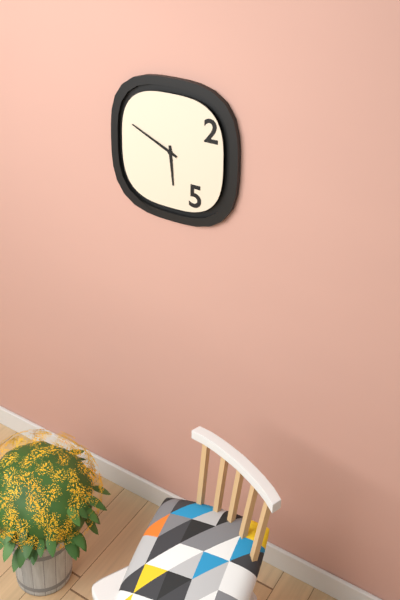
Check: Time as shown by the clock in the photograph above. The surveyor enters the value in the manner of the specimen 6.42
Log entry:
5.49
